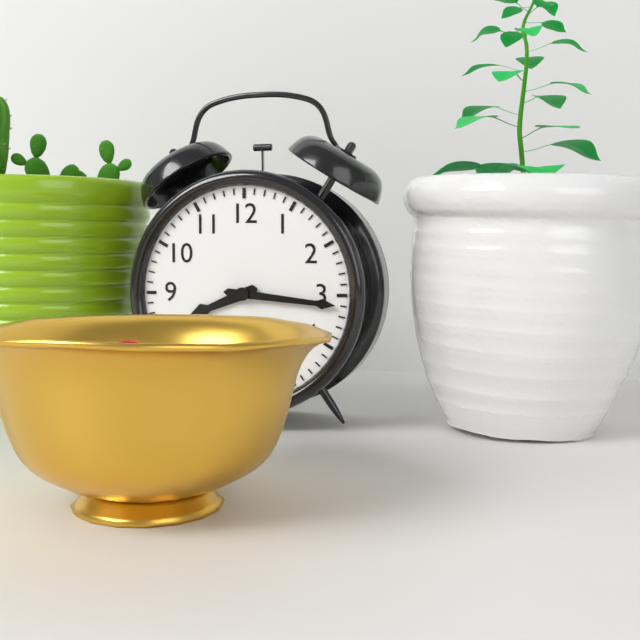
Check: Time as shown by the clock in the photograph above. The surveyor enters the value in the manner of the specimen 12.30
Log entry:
8.16
